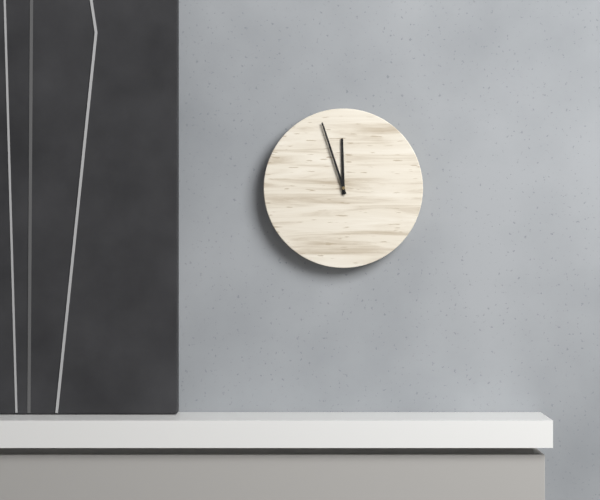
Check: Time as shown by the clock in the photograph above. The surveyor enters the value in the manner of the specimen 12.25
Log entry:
11.57
